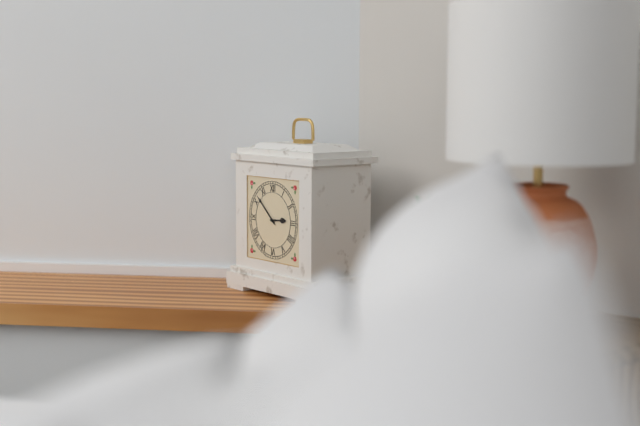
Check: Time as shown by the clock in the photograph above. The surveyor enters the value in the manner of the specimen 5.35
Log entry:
2.52
